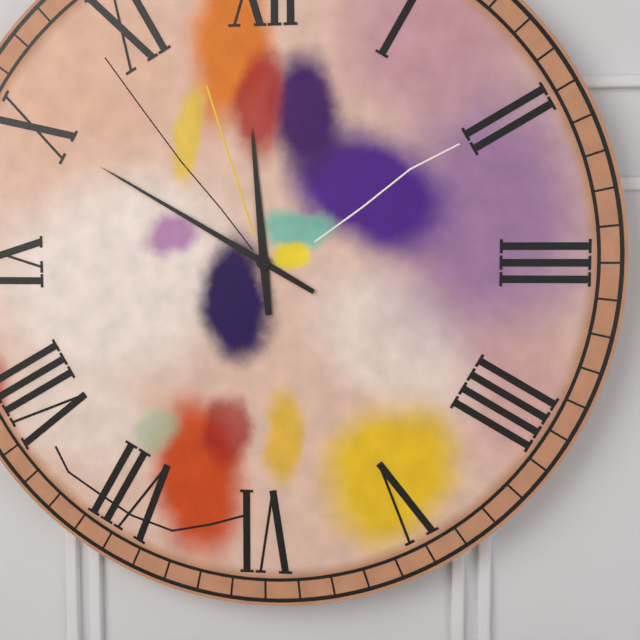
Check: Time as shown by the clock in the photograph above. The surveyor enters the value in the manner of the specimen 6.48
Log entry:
11.50
